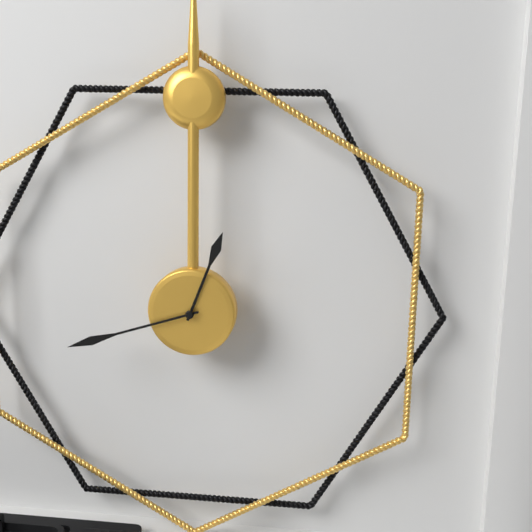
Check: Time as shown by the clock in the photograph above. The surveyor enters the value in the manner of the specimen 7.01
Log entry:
12.42
